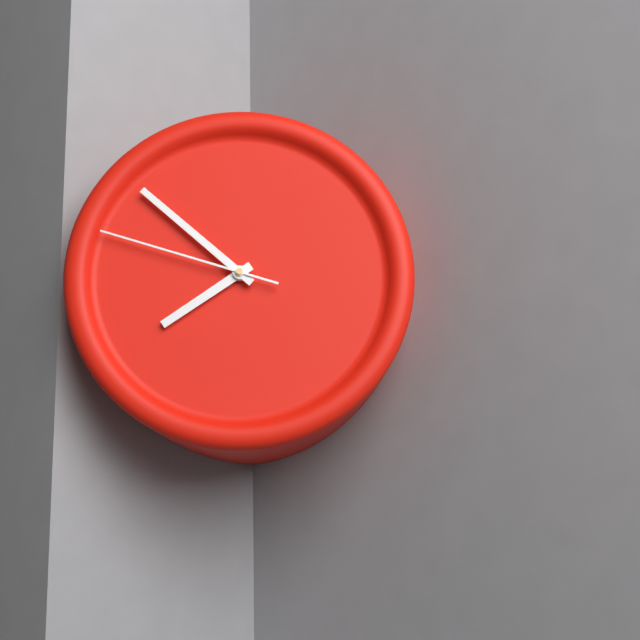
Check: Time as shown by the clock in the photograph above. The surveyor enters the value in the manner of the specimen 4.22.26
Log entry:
7.52.48
